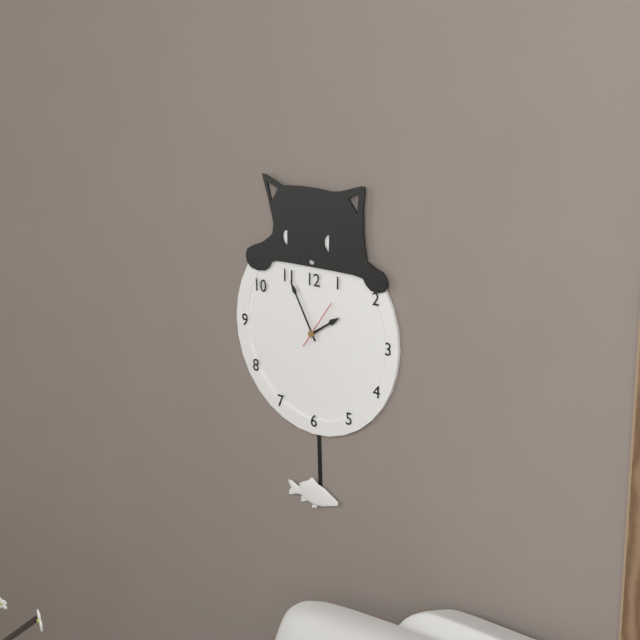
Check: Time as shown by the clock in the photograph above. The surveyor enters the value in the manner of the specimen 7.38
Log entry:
1.55
